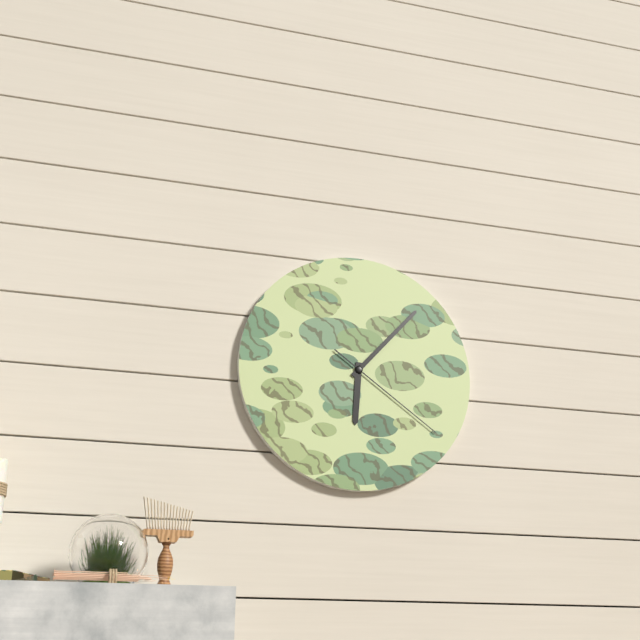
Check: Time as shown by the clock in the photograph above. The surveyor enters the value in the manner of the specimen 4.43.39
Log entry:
6.07.21
